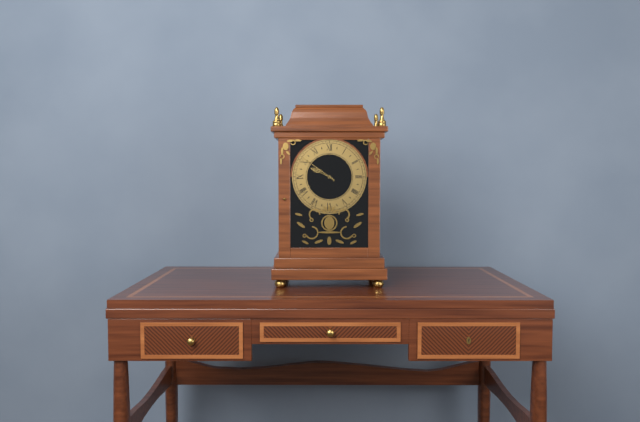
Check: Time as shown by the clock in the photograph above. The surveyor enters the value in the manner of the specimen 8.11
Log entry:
9.51
